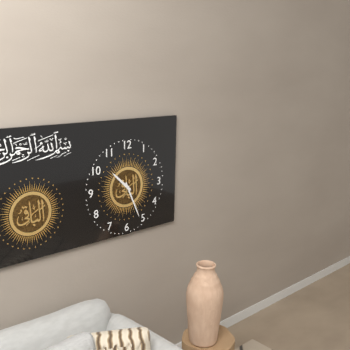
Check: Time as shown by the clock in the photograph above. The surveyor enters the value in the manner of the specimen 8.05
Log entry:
10.26
